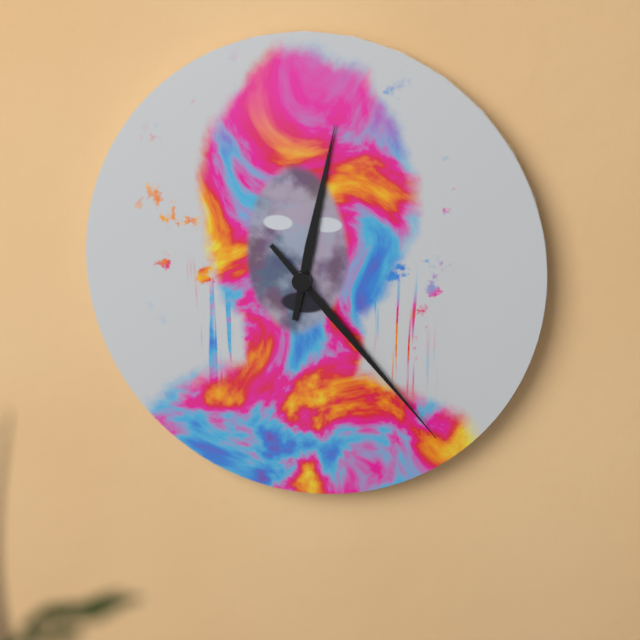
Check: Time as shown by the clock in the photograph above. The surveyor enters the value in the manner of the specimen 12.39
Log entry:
12.23
